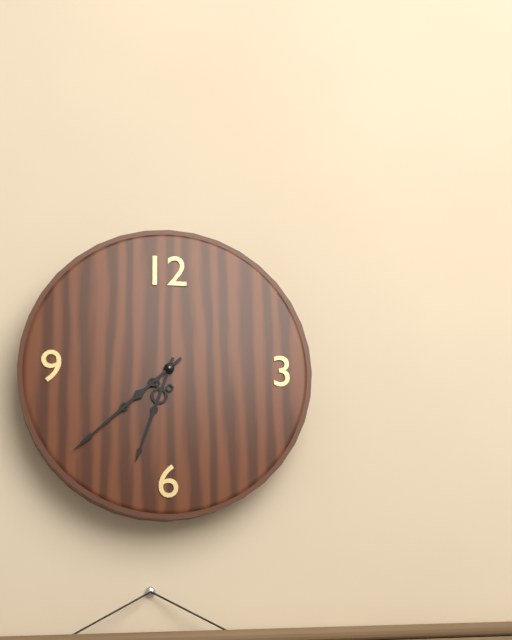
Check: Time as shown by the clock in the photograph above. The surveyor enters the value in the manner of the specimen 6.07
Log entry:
6.38
